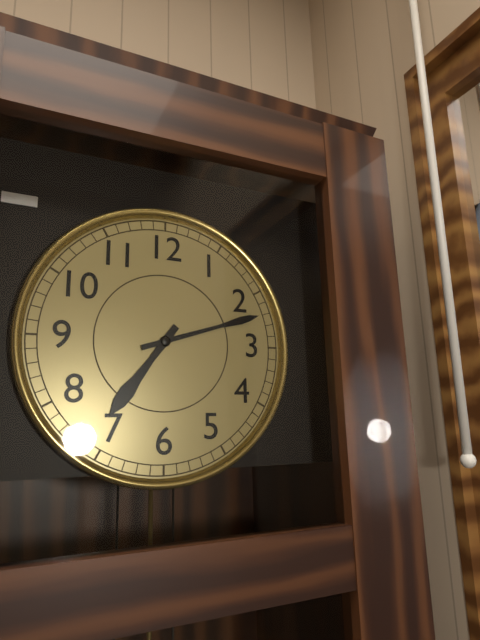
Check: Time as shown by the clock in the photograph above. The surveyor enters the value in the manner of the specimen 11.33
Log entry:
7.12
